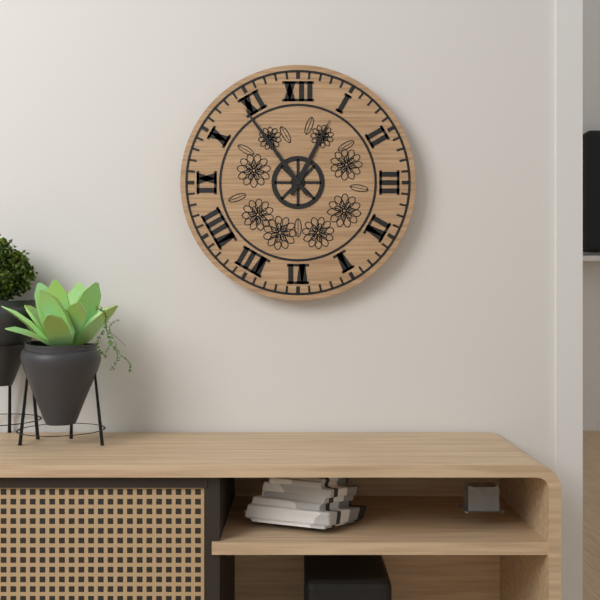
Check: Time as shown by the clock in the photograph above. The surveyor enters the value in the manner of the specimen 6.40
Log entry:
12.54
